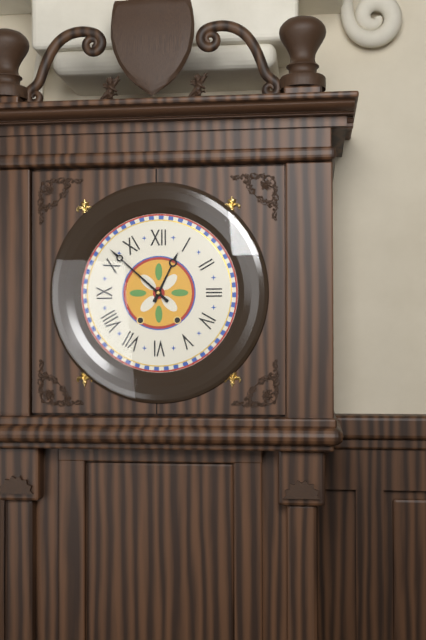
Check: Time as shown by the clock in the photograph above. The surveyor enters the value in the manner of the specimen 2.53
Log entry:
12.52
